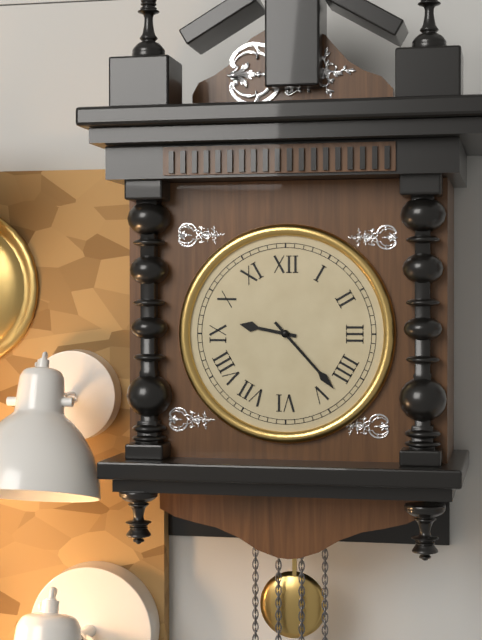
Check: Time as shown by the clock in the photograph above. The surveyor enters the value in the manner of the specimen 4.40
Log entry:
9.23
